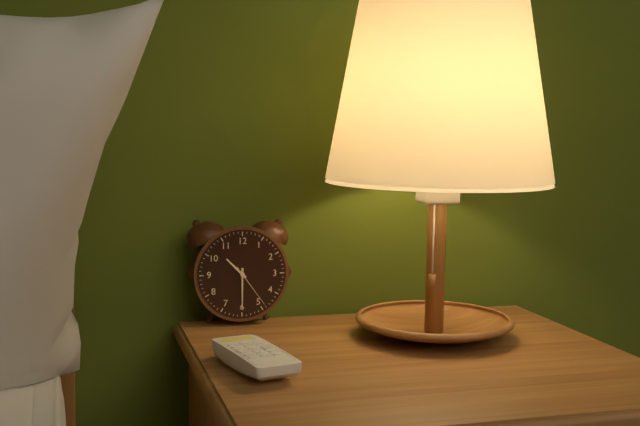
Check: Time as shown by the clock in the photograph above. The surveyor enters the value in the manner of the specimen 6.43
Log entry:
10.30
